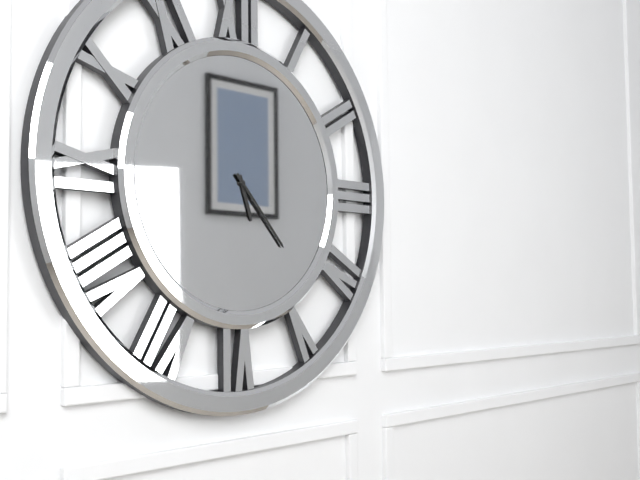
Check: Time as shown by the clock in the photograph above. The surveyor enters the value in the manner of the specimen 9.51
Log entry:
5.23
